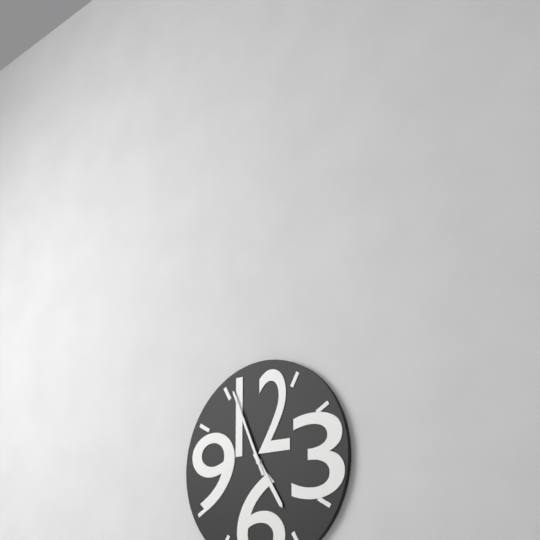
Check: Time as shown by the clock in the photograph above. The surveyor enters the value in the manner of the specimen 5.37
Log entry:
4.56
